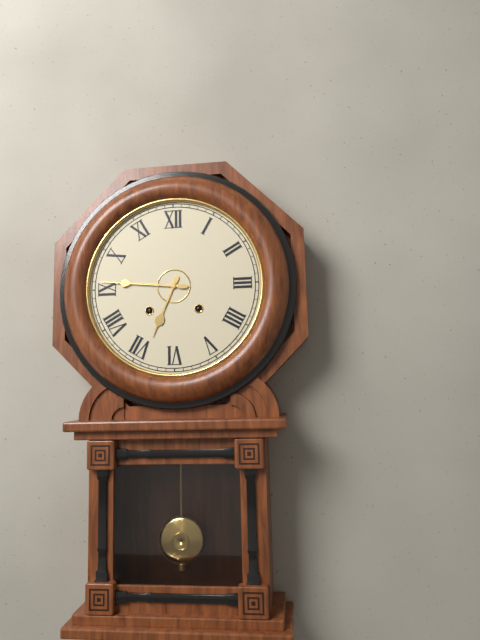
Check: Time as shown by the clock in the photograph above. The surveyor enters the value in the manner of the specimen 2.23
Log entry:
6.46
